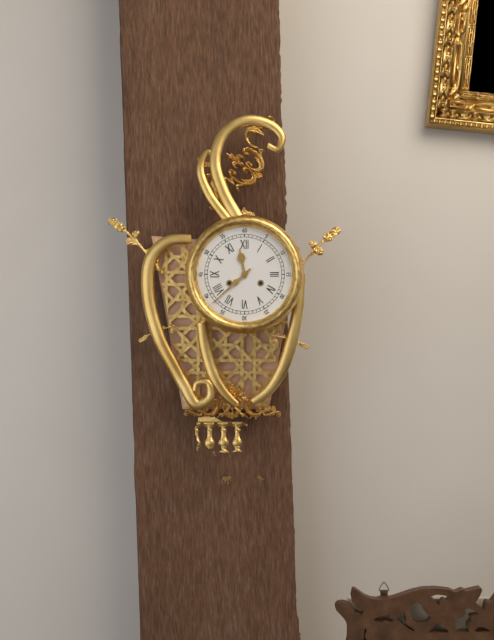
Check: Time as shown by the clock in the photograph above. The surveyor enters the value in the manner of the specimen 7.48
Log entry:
11.38
